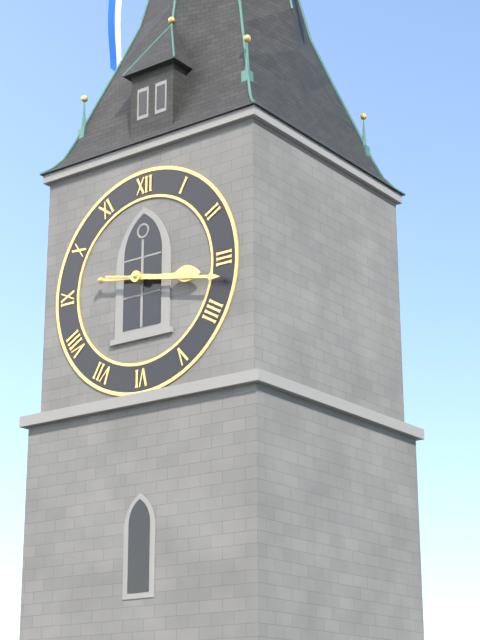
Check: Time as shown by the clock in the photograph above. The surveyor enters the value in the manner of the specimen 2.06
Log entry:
3.17
